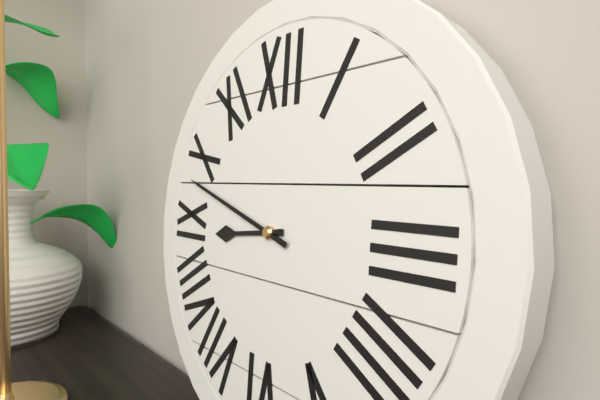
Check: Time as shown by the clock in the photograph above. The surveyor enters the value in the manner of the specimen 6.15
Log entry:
8.48
